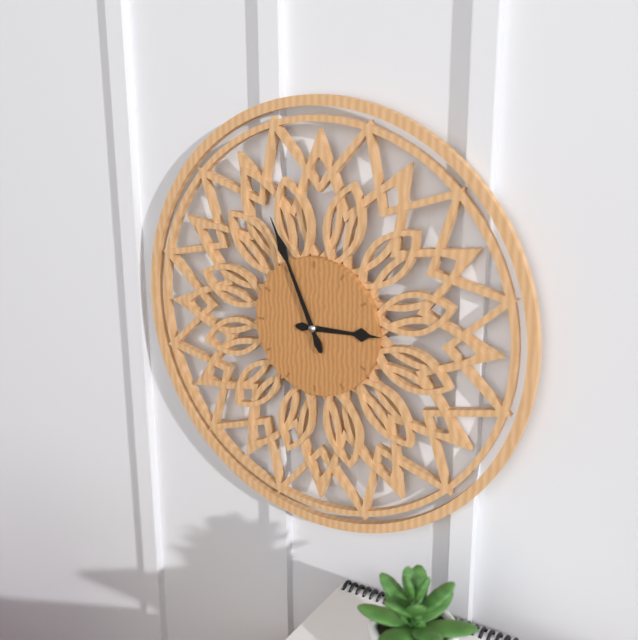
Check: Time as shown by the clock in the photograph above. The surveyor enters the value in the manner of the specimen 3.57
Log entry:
2.56
